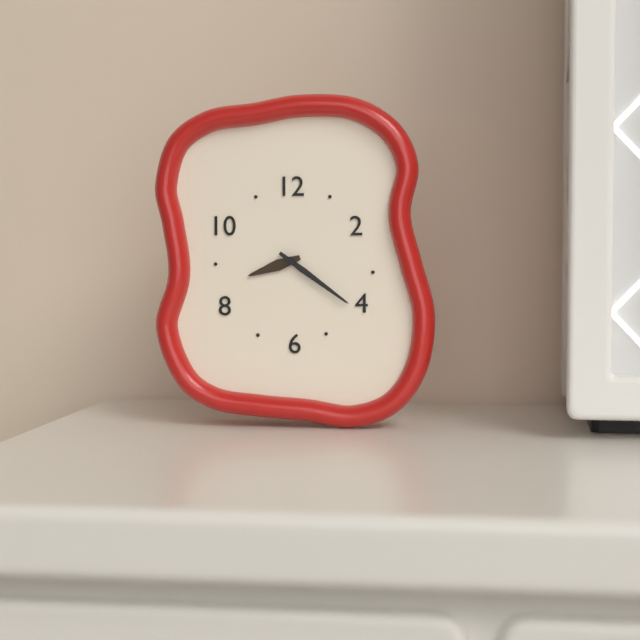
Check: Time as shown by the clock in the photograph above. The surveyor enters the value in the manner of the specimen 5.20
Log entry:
8.21
